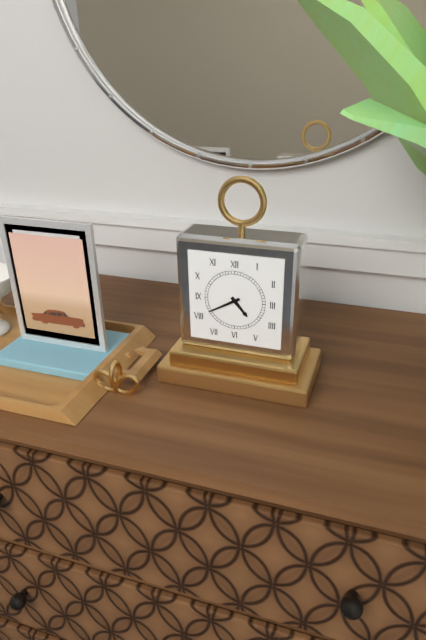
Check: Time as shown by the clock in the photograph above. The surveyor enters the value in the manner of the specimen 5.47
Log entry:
4.40
